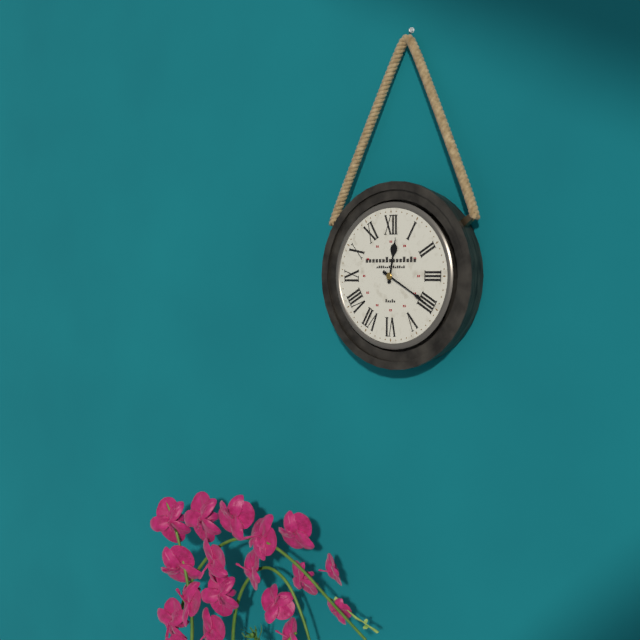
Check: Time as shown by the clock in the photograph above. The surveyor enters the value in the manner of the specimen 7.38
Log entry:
12.20
